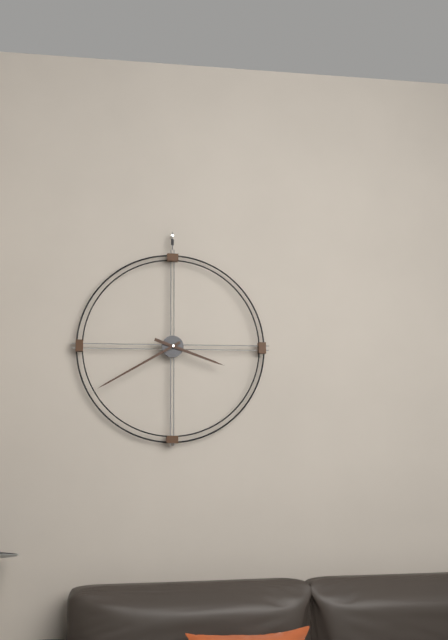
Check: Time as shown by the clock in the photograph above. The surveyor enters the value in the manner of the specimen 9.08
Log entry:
3.40
